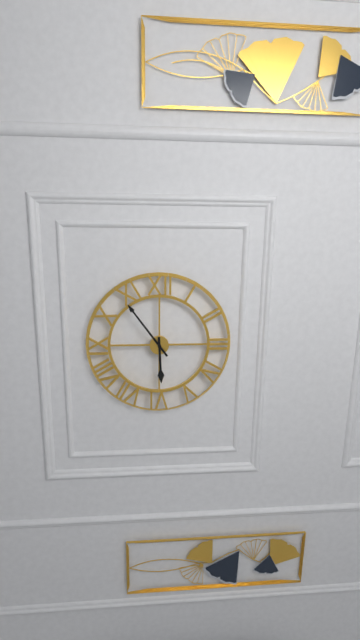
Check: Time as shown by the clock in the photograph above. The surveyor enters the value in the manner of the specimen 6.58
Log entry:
5.54
